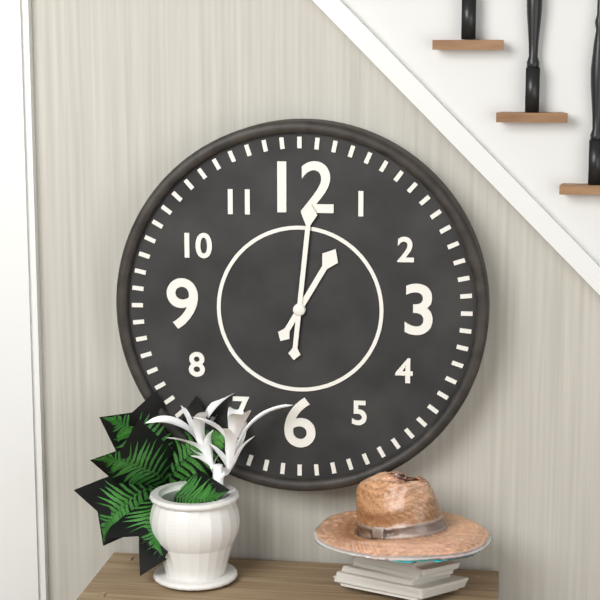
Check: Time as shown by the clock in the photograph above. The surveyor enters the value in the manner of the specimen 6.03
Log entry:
1.01
